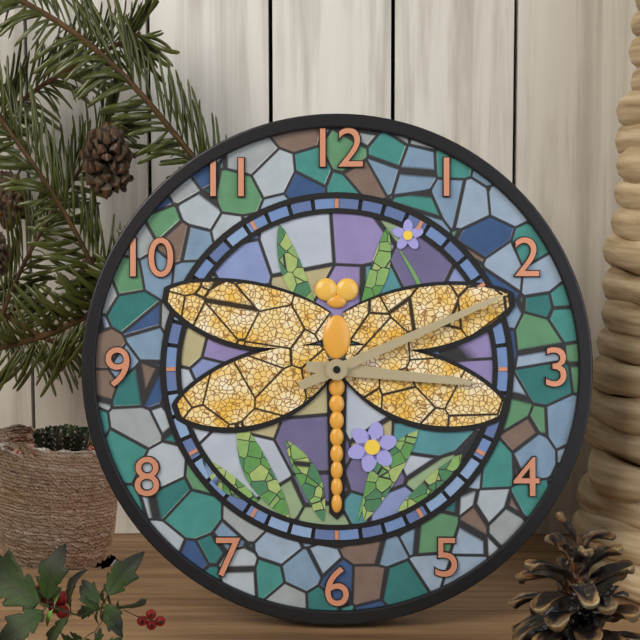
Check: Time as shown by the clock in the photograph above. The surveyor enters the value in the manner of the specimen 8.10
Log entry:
3.11
